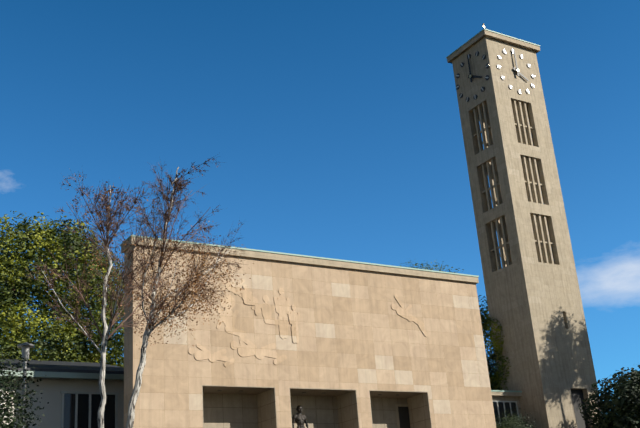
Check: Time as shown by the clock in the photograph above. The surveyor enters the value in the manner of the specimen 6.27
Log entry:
4.00
